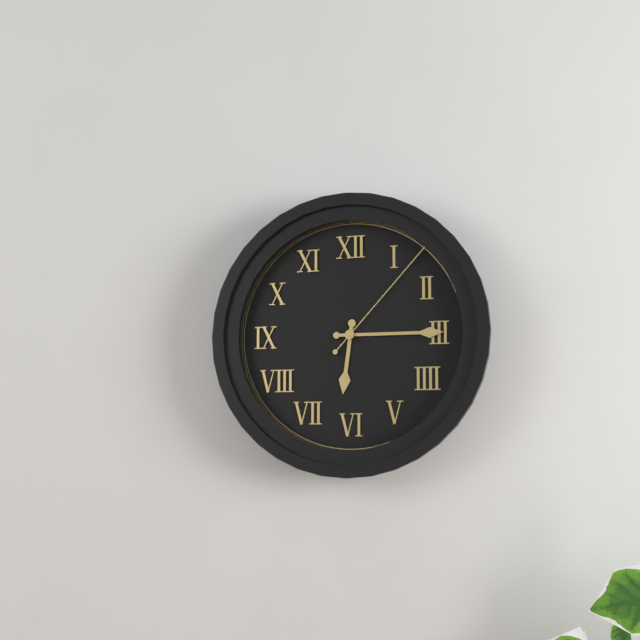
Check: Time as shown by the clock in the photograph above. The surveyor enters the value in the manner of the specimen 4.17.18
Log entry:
6.15.07
